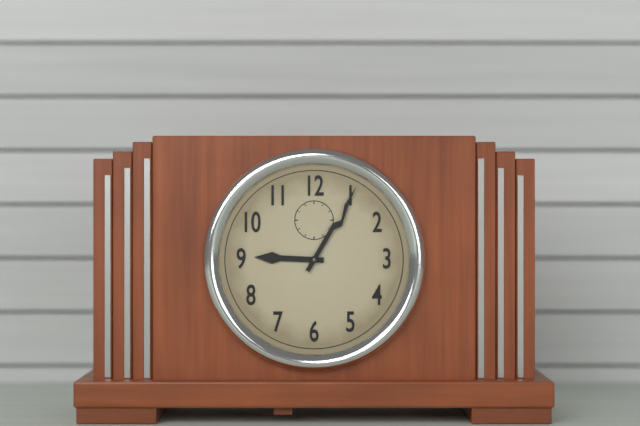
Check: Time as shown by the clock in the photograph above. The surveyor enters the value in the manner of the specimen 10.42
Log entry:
9.05
